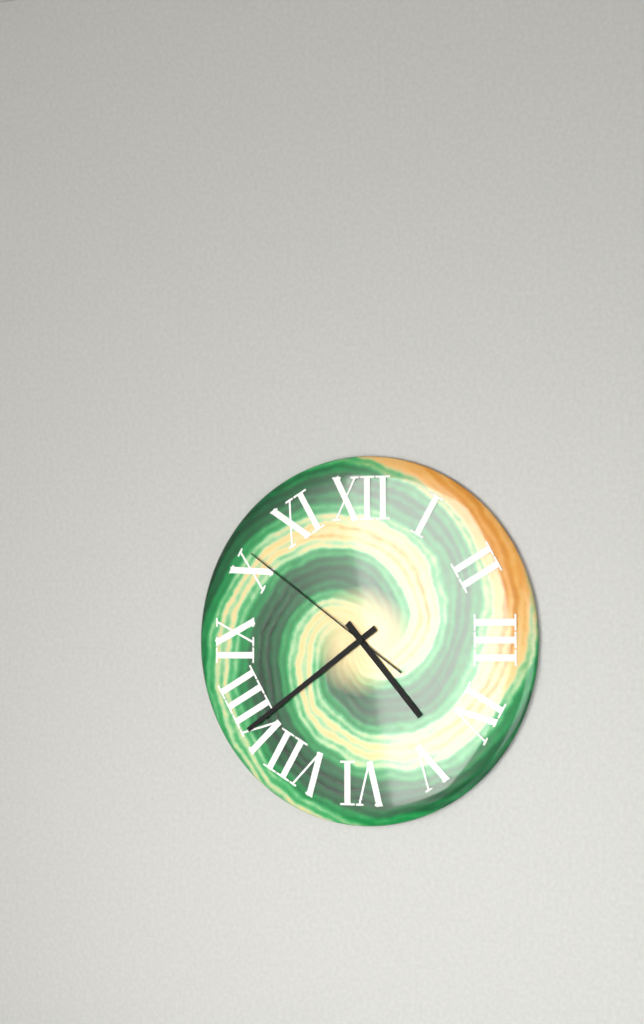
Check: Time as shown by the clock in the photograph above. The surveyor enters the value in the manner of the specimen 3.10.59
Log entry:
4.39.51
